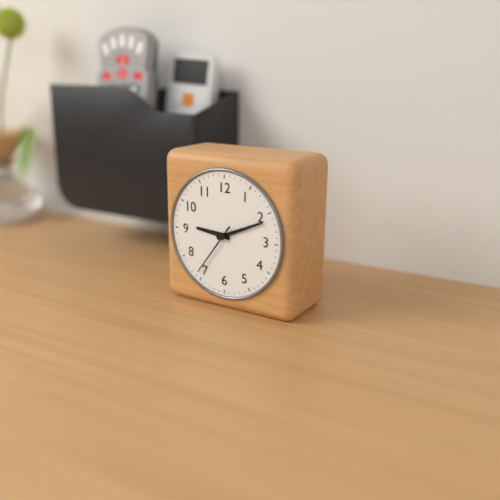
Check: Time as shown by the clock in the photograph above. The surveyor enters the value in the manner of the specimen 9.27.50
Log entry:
9.11.36
